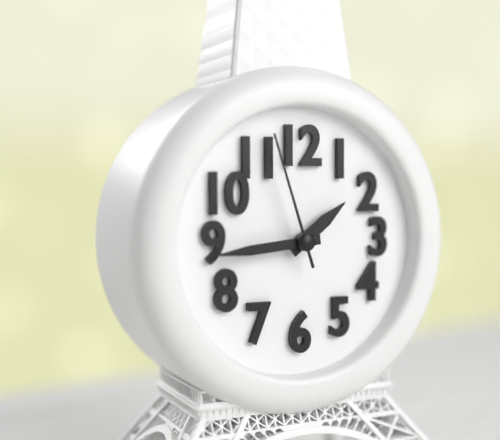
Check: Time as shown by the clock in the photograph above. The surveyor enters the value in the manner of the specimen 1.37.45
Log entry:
1.44.57
